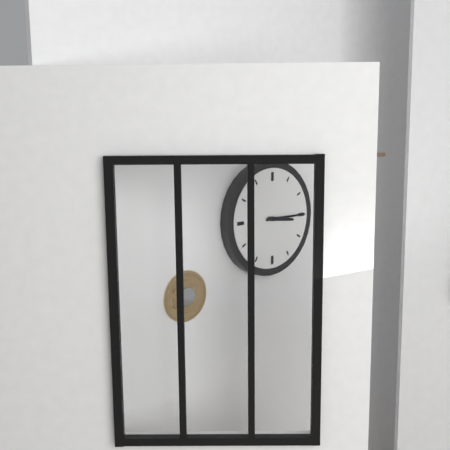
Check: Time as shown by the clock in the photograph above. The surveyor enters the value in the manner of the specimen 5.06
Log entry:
3.15
